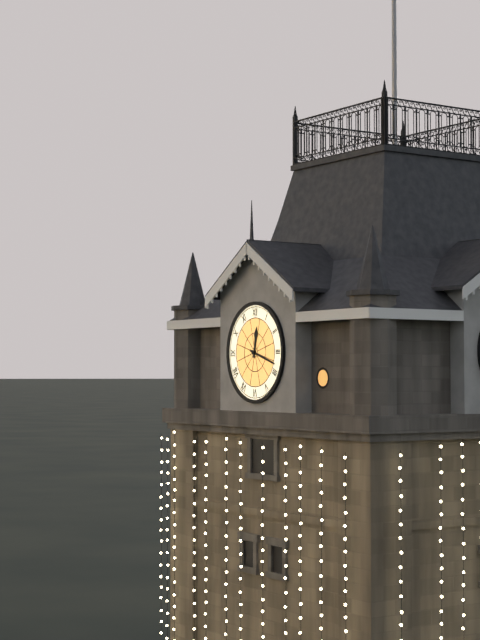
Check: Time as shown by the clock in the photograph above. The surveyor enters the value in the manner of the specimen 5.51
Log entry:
12.18
